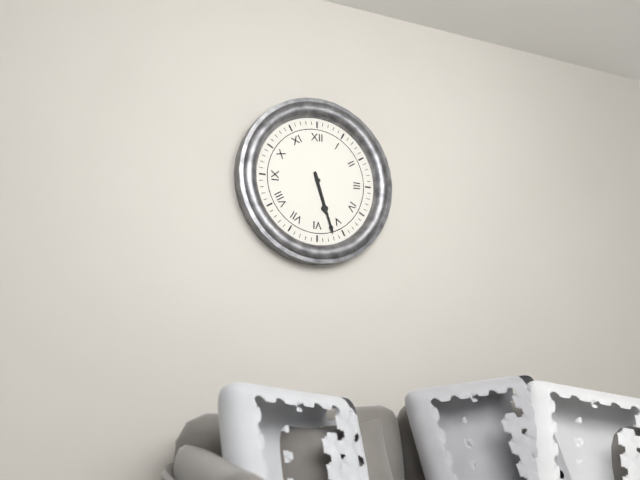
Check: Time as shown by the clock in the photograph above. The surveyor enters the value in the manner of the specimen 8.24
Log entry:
5.27
